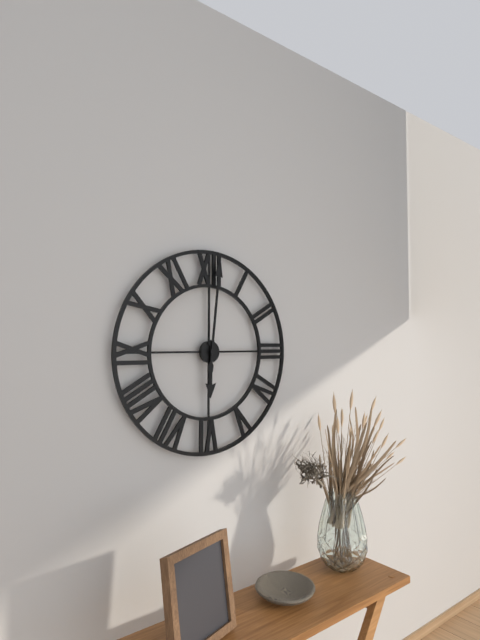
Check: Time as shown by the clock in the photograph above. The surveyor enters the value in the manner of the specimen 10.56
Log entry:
6.01
